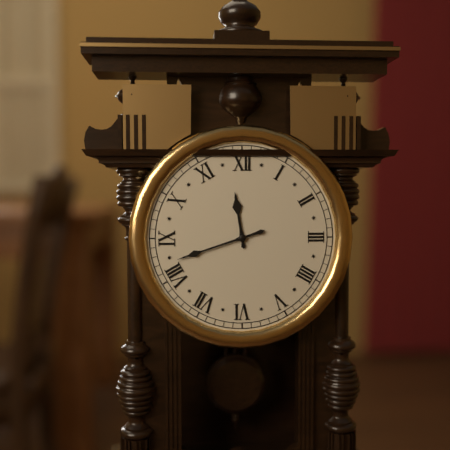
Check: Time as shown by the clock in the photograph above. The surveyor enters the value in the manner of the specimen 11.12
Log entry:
11.42
